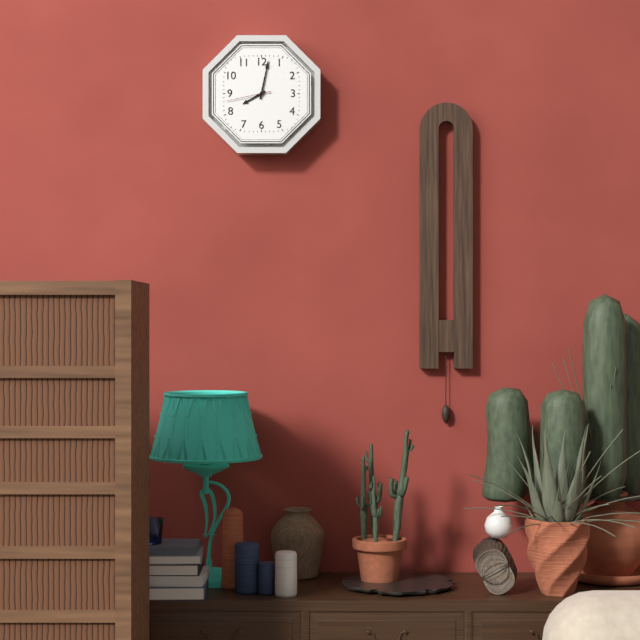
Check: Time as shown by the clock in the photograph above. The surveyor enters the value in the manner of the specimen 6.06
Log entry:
8.02
